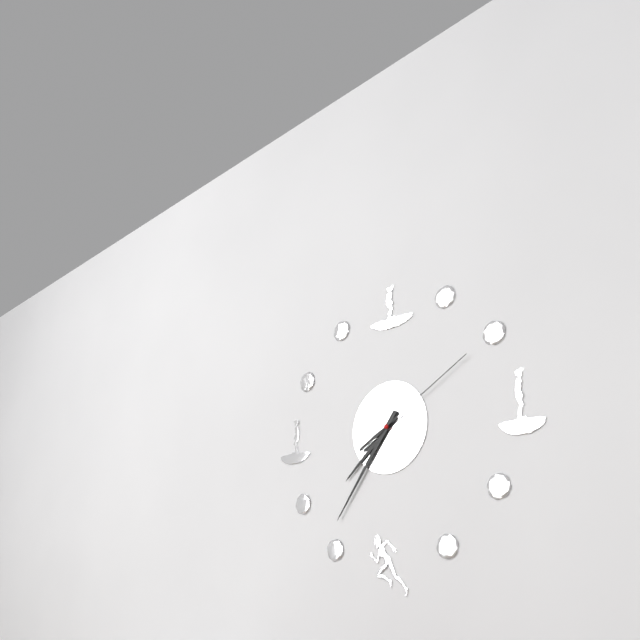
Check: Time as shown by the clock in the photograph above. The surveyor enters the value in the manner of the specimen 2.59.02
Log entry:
7.36.10
